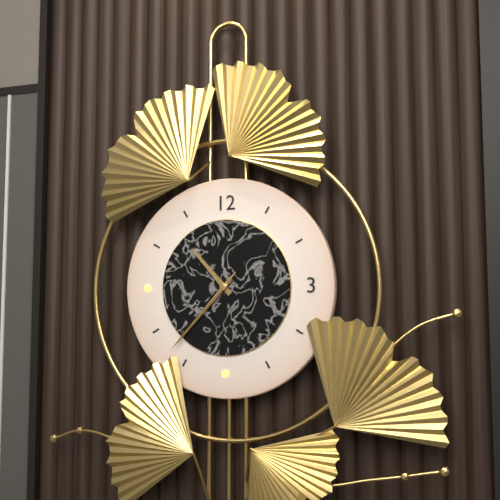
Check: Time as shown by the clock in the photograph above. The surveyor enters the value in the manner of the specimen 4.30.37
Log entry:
10.37.37
